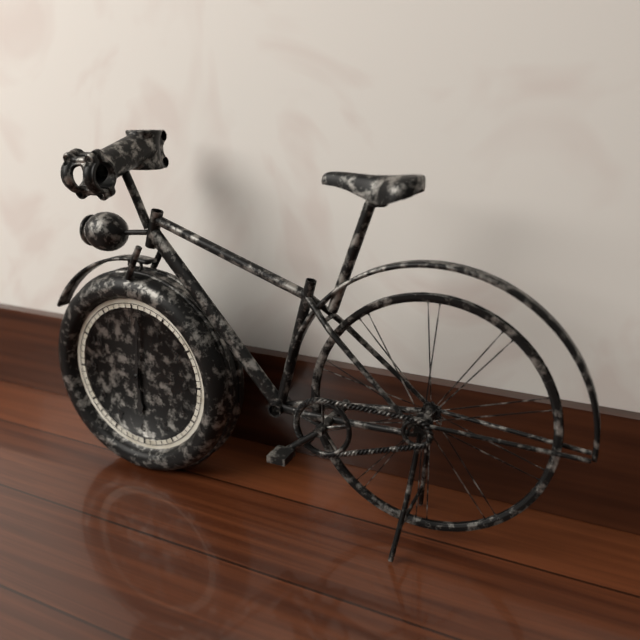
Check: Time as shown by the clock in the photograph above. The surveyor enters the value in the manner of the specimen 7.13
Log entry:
6.01
